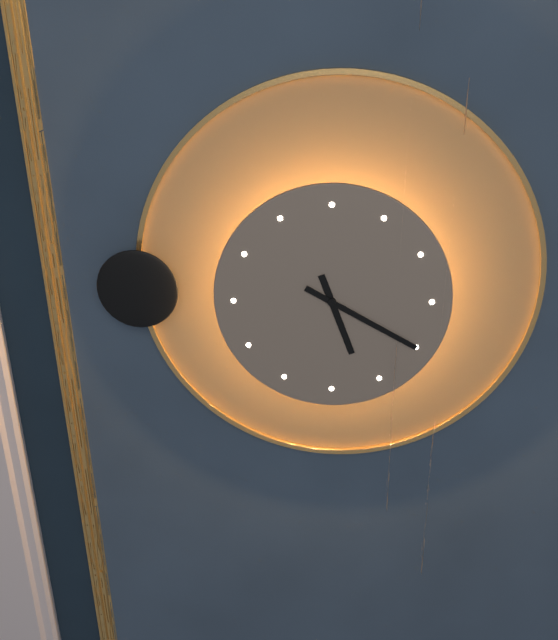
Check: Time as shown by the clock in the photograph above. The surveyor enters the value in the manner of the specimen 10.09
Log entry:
5.20
